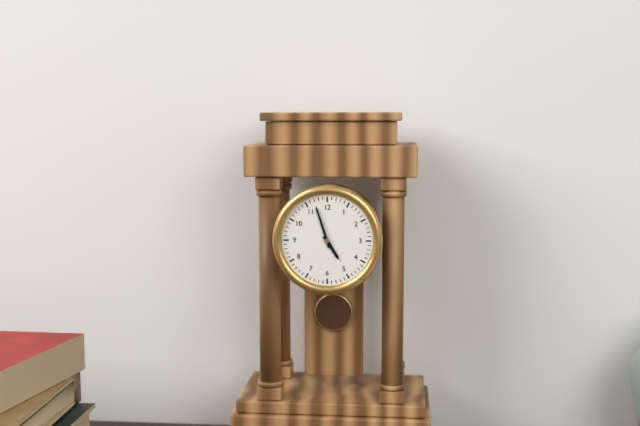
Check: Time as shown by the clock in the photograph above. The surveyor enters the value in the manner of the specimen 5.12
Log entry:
4.57
